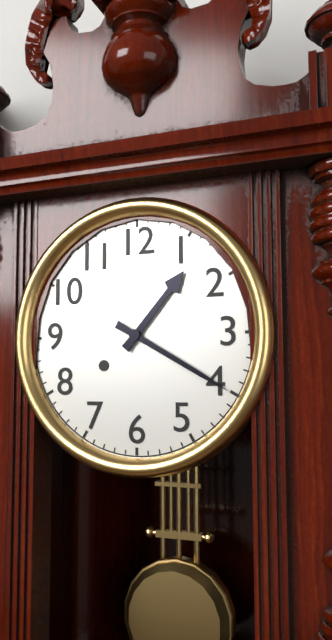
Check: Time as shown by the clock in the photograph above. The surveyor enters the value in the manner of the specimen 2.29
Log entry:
1.20
